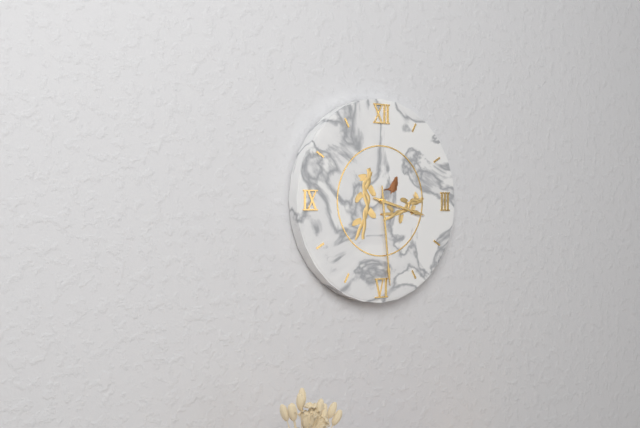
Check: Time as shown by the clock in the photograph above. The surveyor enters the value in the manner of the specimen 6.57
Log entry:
3.29
